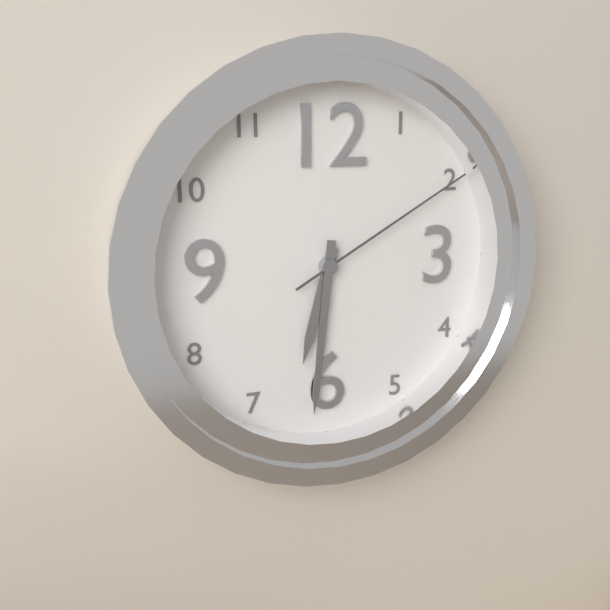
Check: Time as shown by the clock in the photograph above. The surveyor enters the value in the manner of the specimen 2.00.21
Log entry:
6.31.10
